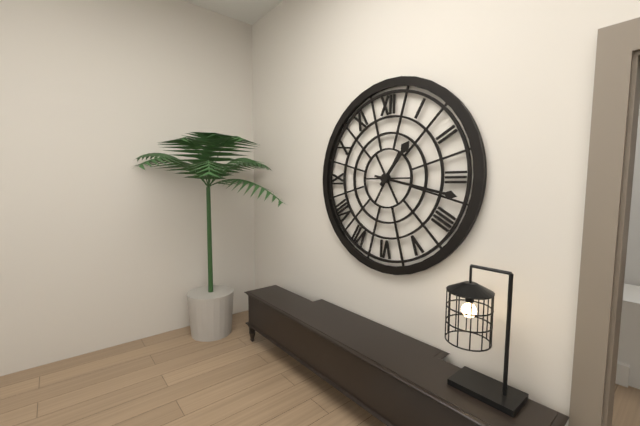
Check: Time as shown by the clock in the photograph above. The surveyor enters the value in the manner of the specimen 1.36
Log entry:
1.17
